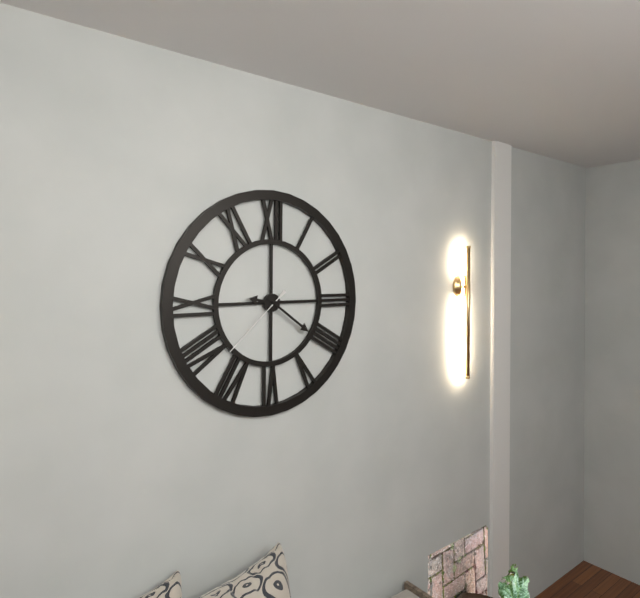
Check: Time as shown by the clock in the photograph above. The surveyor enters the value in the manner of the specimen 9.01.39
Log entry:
9.21.38
